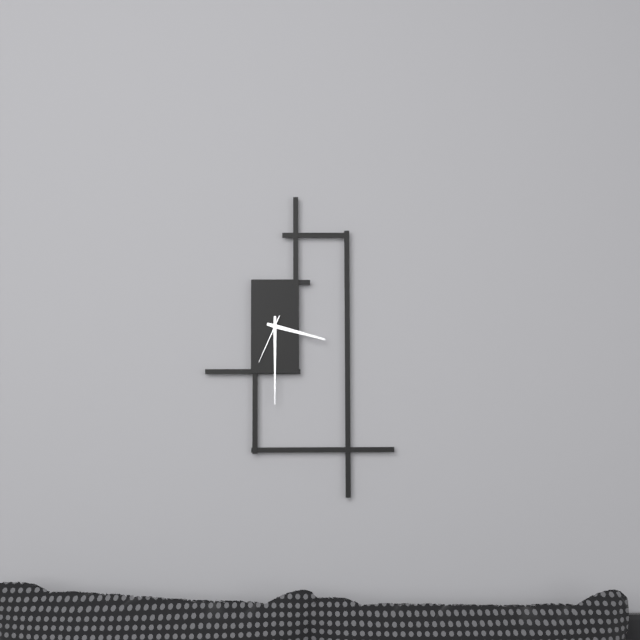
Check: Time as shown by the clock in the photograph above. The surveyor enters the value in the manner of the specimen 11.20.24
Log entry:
3.30.34
